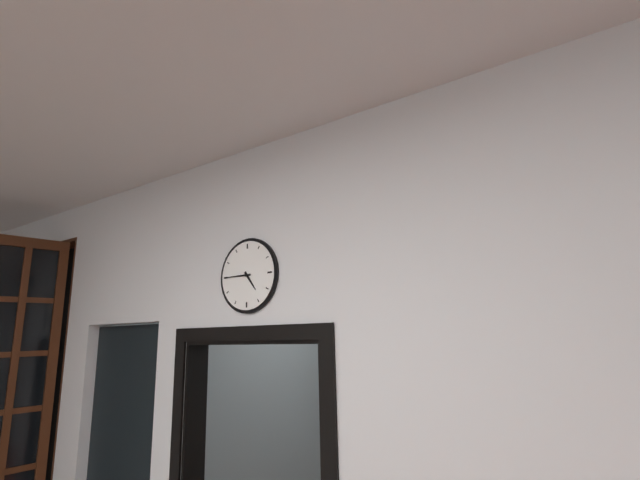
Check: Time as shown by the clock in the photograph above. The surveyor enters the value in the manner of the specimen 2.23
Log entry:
4.45
